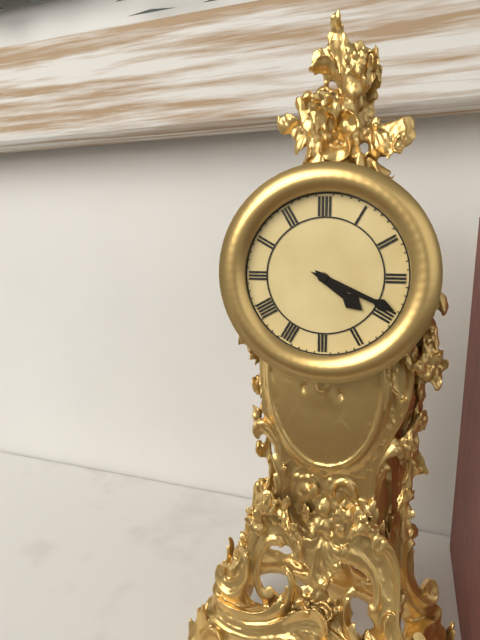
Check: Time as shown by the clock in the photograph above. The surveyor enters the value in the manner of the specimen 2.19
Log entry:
4.19
